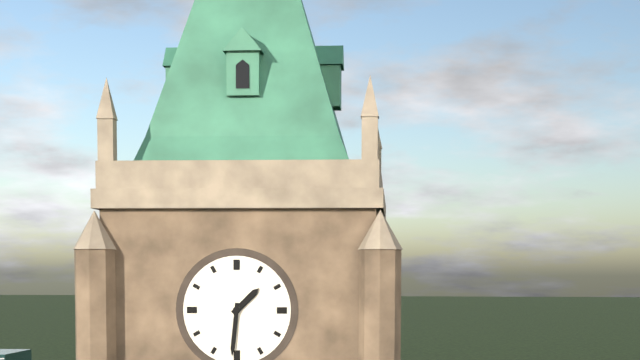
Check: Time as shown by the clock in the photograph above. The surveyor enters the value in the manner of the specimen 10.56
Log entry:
1.31
